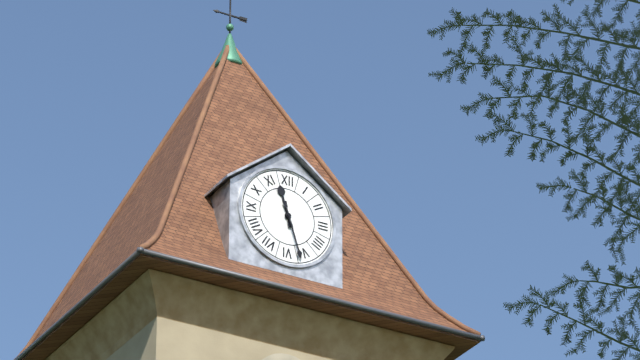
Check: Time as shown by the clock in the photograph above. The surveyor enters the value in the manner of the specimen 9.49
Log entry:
11.27
